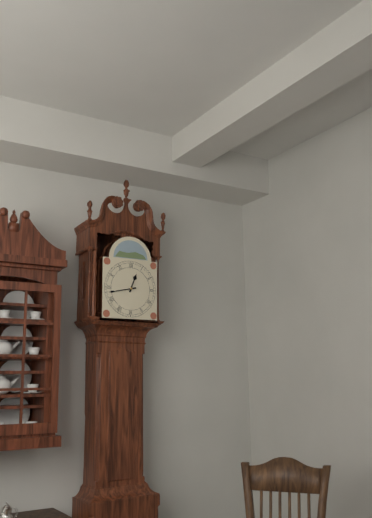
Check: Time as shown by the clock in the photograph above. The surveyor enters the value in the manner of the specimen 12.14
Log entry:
12.43
